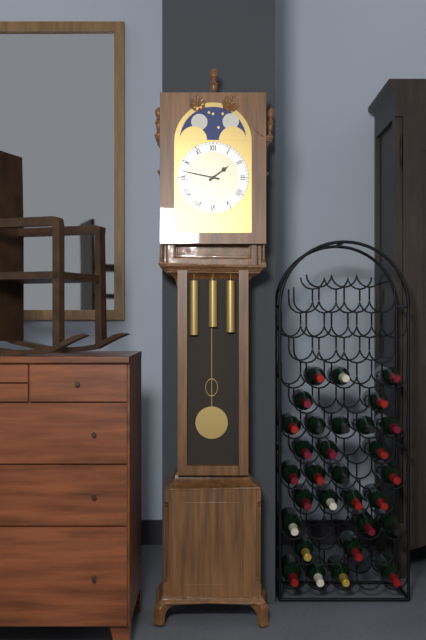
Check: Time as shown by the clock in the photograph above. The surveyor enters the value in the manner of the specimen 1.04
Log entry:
1.47
